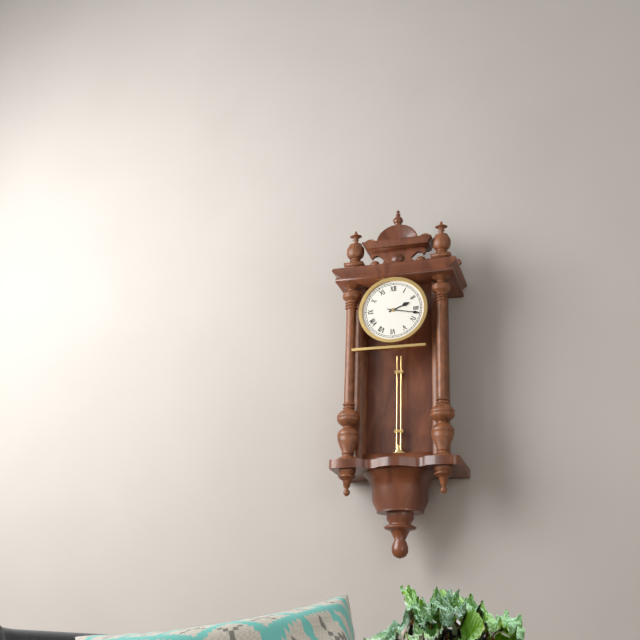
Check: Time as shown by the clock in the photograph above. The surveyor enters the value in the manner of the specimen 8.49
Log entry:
2.17
